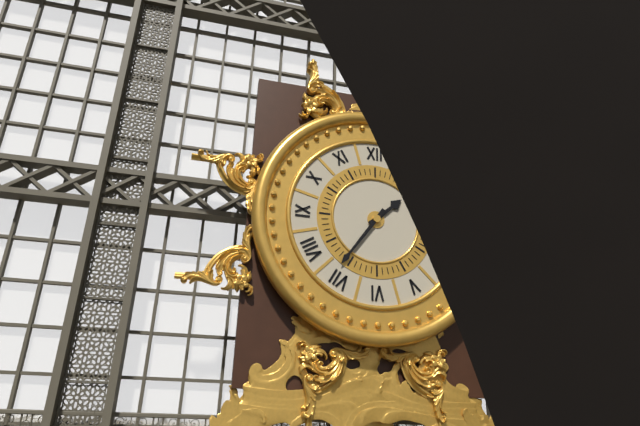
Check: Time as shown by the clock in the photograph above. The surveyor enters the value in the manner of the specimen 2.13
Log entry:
1.36
